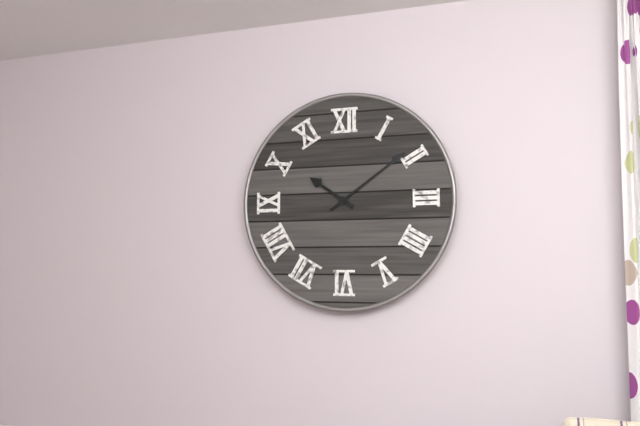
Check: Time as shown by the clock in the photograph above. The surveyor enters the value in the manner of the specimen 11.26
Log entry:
10.09
